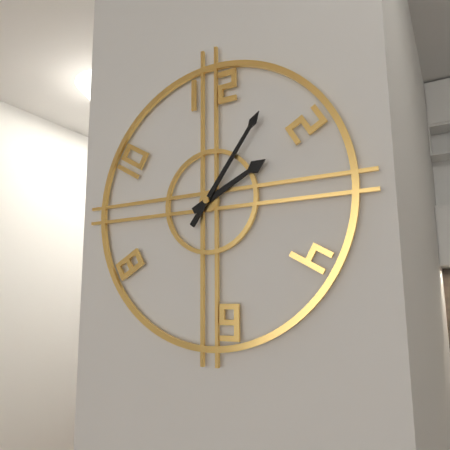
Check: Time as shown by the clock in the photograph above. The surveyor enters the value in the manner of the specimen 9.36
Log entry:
2.06
